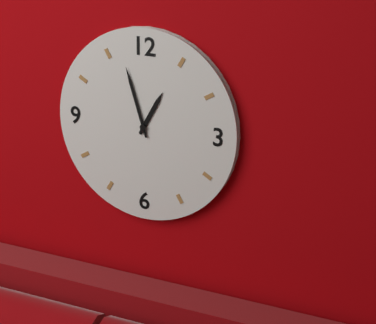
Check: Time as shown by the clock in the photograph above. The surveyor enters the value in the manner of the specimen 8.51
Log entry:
12.57
